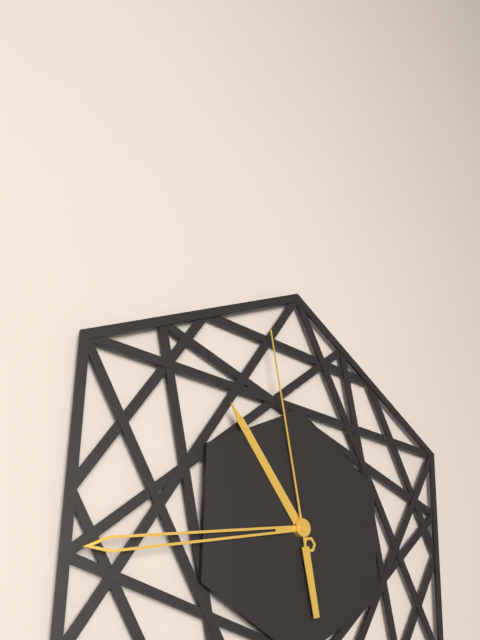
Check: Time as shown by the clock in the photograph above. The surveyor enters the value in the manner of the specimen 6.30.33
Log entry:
10.43.58
